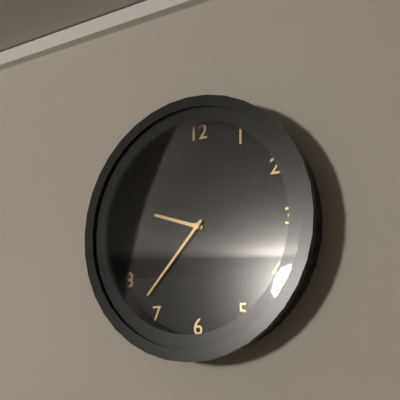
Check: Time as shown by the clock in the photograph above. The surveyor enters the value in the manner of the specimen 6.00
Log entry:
9.37
